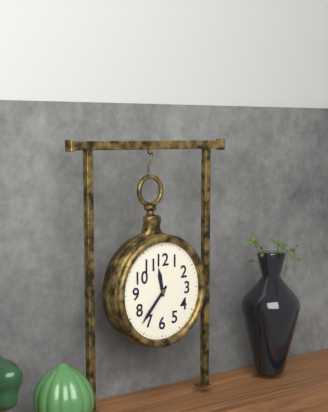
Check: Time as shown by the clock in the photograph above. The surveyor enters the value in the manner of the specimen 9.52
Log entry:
11.37
